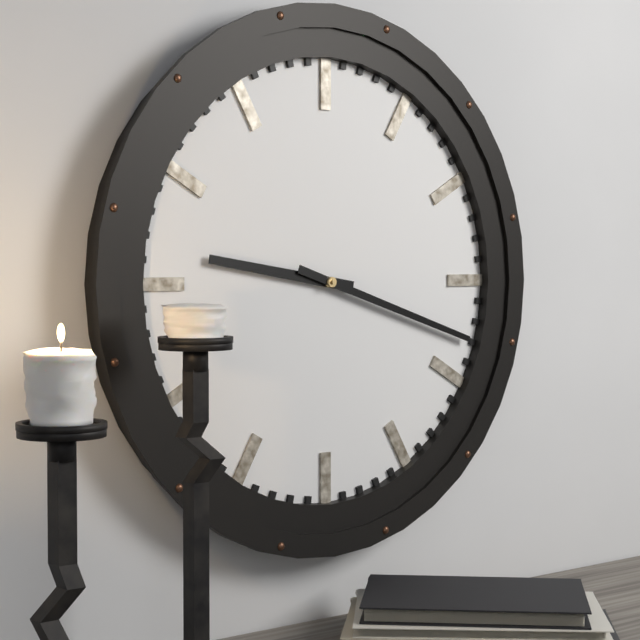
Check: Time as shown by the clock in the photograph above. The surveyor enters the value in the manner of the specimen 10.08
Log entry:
9.18
